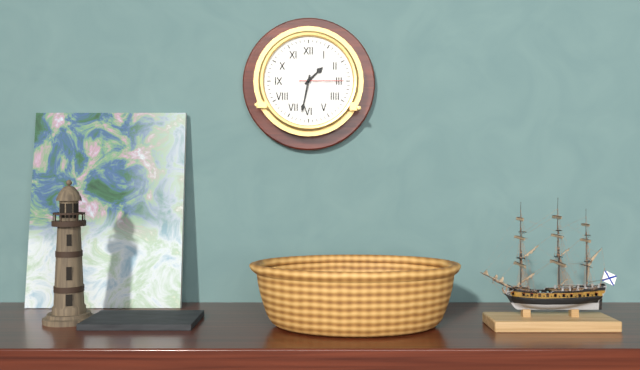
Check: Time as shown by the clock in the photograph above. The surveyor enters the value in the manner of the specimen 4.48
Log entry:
1.32
